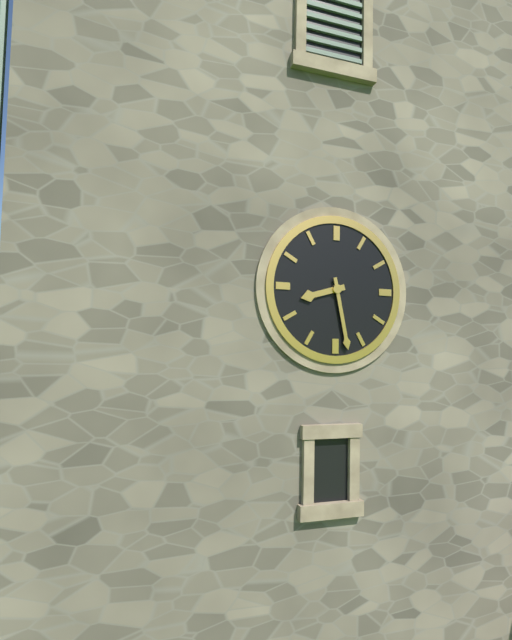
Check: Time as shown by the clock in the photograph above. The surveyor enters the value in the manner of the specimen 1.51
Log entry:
8.28
